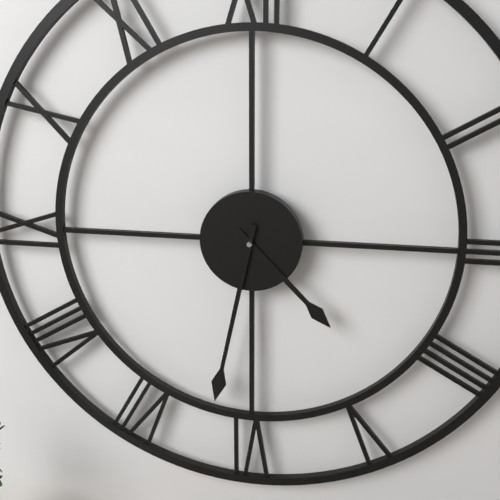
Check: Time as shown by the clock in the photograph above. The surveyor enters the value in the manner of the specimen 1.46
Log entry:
4.32
